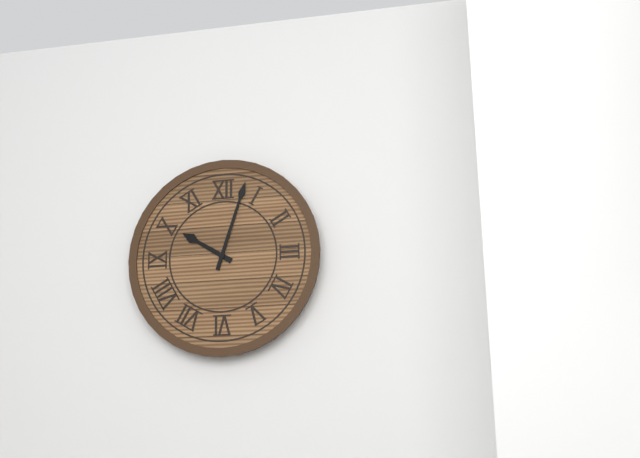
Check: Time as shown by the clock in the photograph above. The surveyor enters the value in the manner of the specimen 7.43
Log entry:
10.03
